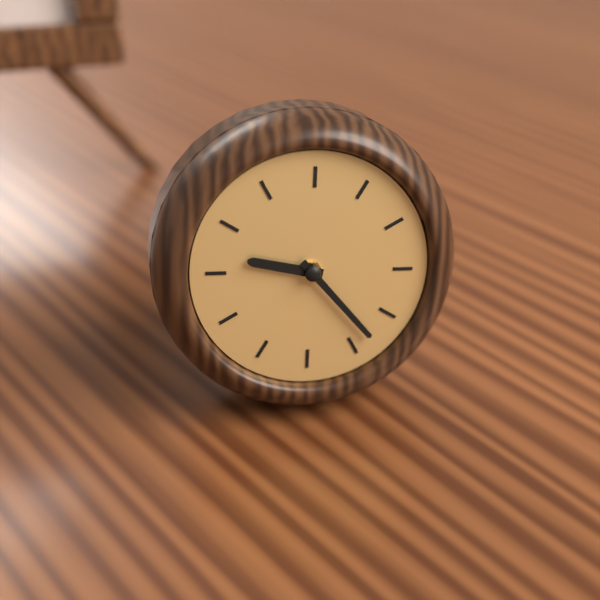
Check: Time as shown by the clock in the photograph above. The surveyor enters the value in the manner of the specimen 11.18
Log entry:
9.23
